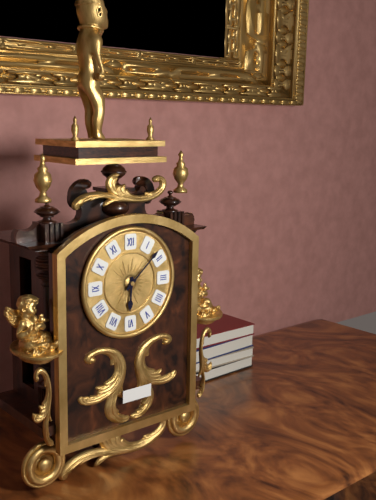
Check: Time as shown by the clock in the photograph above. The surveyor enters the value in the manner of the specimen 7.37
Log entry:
6.08
